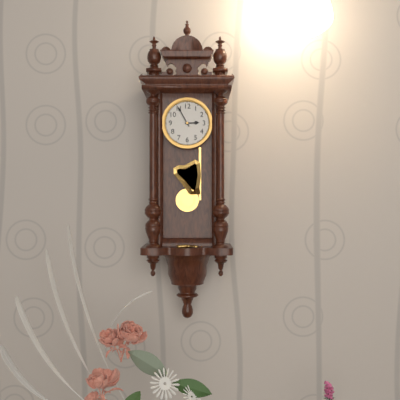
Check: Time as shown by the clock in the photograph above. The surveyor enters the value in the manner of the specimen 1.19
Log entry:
2.55
